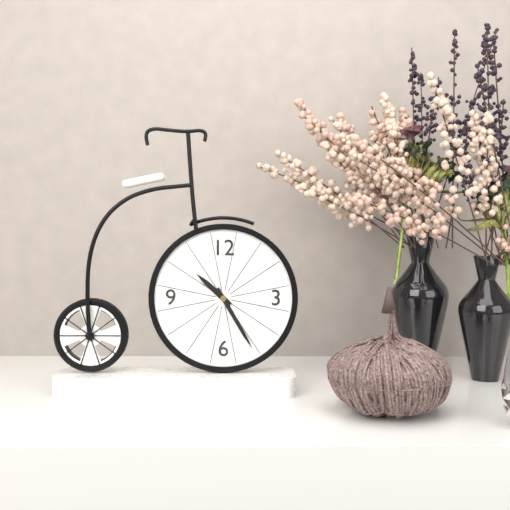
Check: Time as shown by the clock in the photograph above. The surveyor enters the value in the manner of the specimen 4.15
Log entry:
10.25
